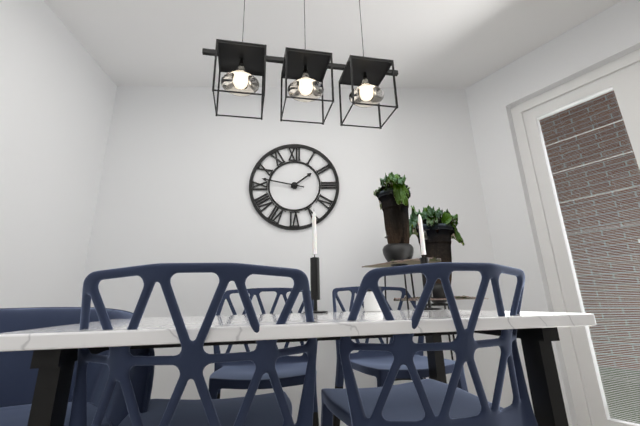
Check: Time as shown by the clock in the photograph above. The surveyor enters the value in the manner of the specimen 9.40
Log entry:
1.47
